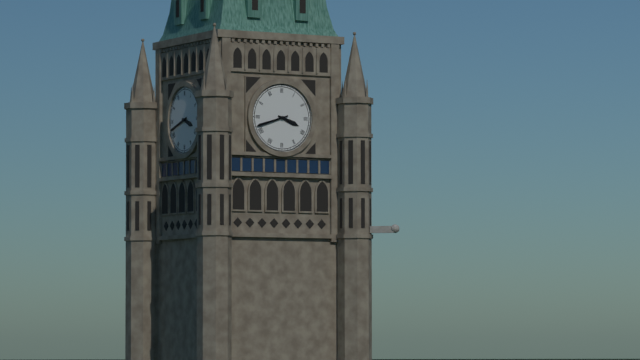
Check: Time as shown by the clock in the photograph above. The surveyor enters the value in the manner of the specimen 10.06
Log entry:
3.42
